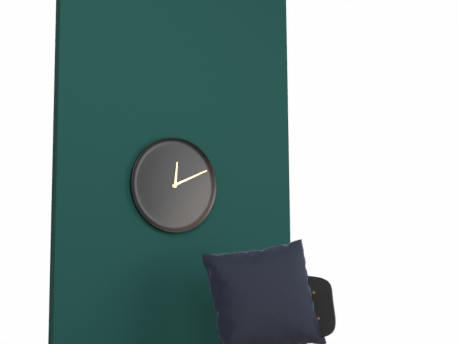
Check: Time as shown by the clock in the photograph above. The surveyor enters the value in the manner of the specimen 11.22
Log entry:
12.11
